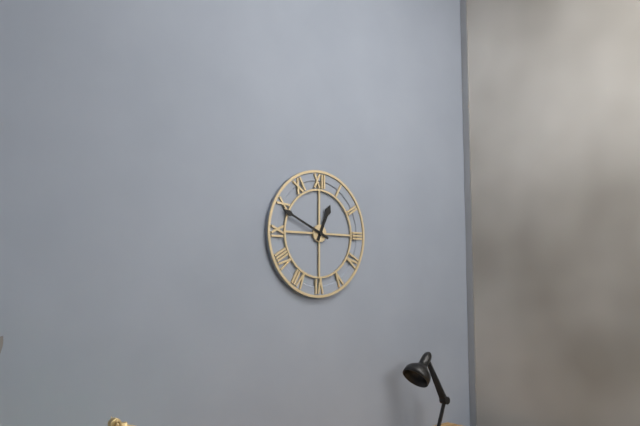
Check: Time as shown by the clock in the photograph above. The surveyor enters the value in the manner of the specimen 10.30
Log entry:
12.49
